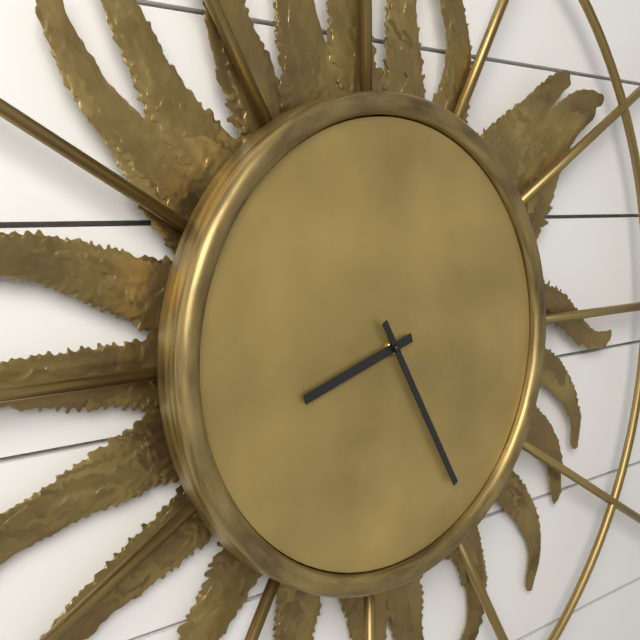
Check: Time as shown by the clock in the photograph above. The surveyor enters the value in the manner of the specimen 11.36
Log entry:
8.25
